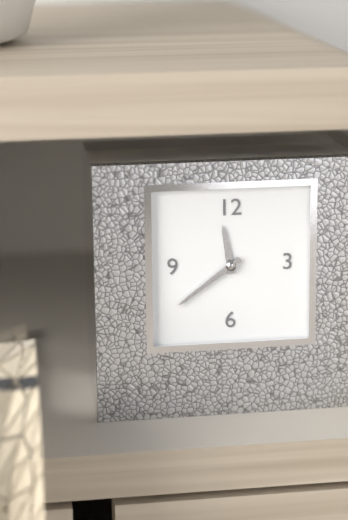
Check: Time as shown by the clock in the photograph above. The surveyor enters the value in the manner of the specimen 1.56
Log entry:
11.39
